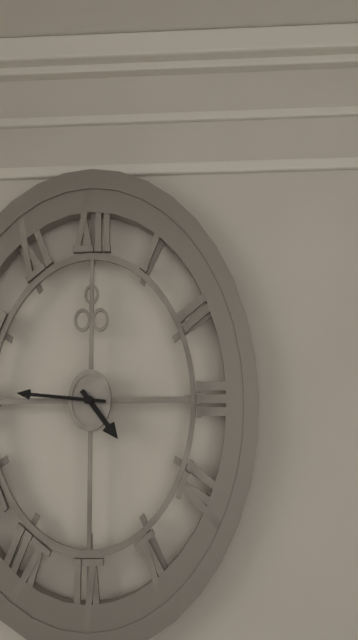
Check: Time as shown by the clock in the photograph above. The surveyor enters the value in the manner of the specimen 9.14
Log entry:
4.46
